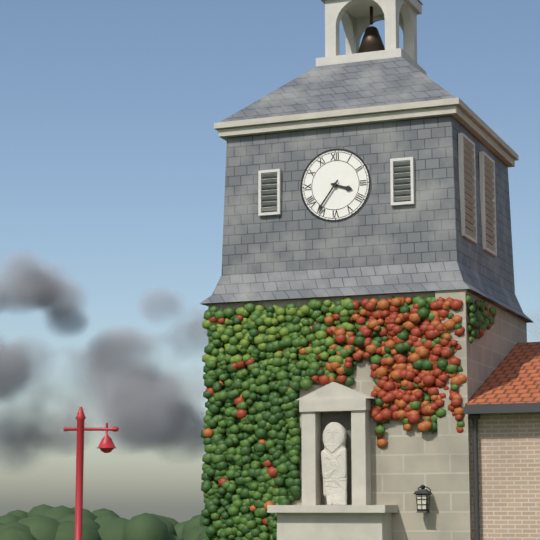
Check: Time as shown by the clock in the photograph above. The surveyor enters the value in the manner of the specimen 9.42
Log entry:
3.36
